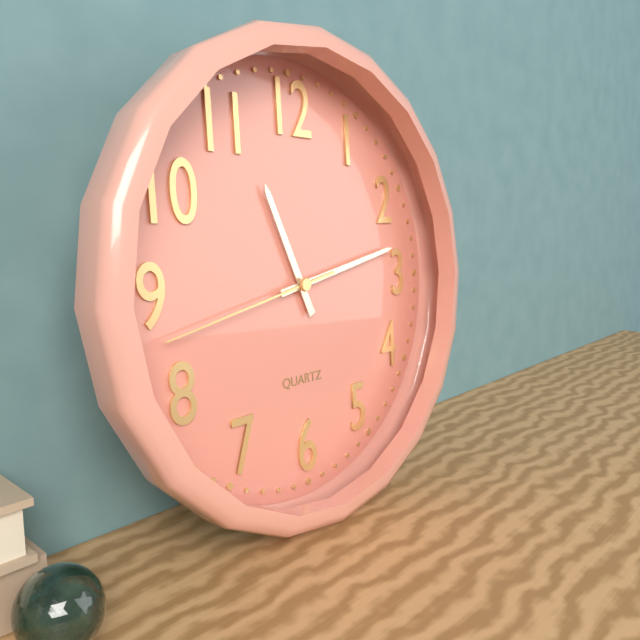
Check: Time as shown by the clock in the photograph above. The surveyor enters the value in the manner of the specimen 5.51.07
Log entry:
11.13.43
